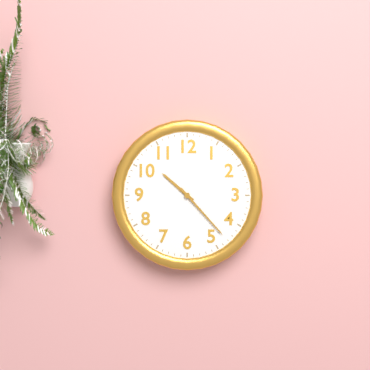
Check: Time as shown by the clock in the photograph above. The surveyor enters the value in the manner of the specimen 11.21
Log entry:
10.23
